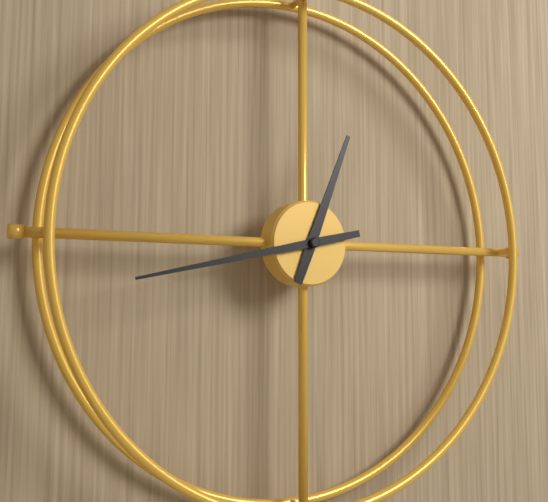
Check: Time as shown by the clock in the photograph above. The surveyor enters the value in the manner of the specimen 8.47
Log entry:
12.43
